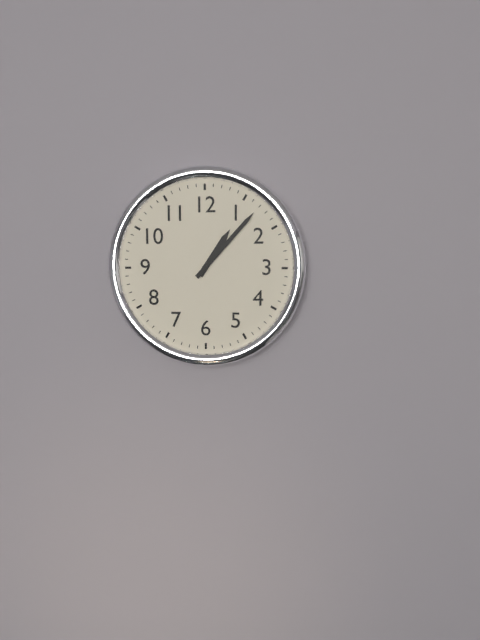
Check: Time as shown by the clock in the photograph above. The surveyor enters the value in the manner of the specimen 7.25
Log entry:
1.07
